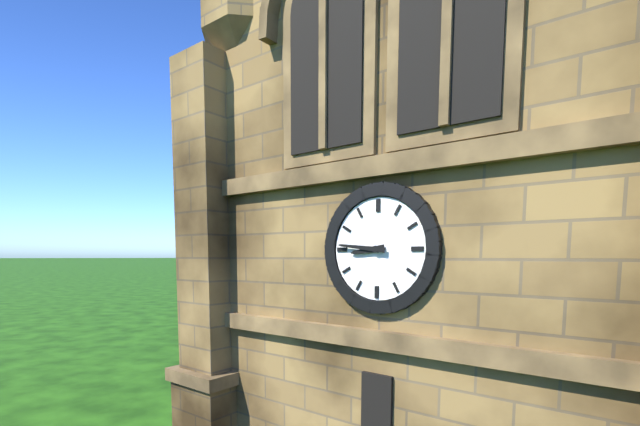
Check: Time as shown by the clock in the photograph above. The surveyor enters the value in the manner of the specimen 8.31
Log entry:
8.46
